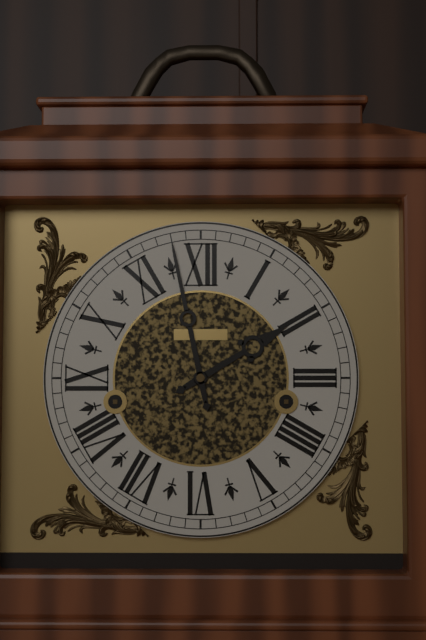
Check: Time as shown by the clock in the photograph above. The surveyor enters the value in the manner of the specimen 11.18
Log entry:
1.58
